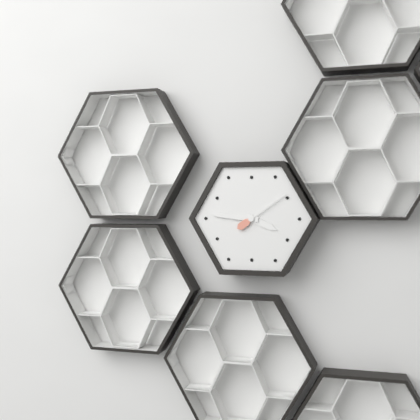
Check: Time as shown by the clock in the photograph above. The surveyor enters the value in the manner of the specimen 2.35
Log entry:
3.46
